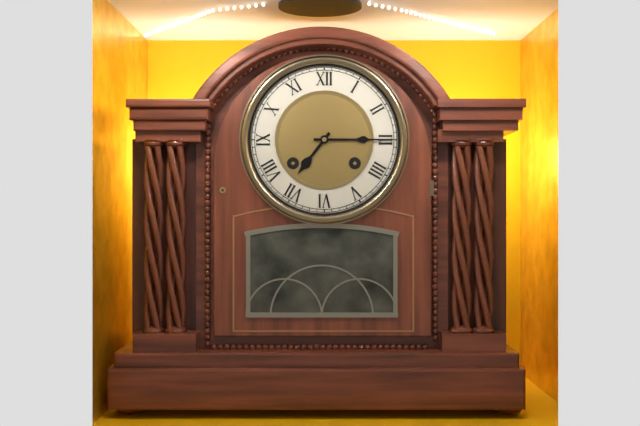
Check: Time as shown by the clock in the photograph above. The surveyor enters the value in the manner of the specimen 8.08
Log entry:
7.15
